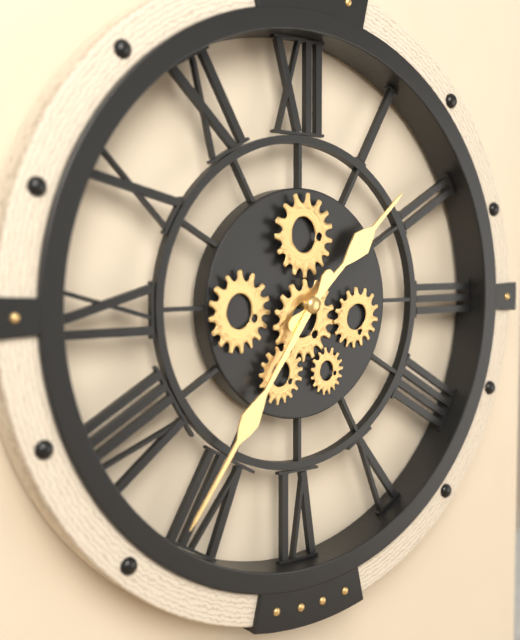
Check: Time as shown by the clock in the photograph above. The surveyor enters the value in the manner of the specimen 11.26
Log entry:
1.36
